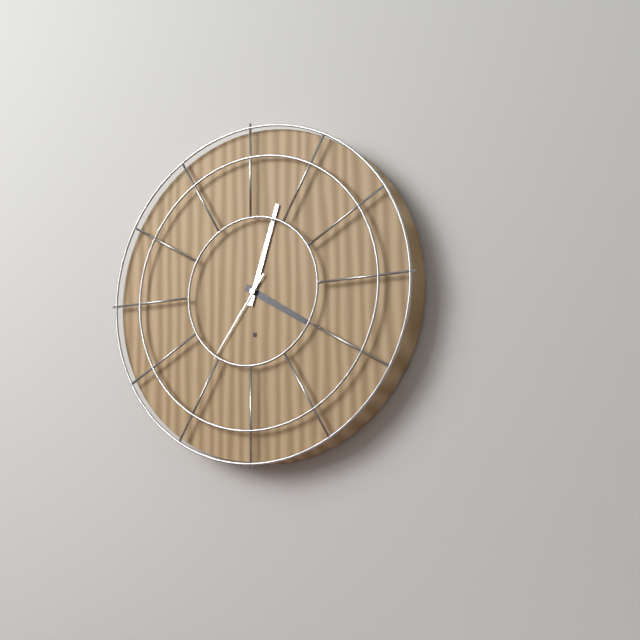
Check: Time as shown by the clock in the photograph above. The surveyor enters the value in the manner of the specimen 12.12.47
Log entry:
4.03.36
